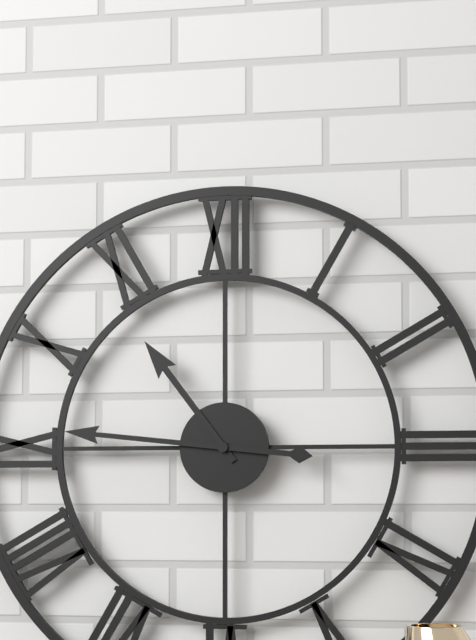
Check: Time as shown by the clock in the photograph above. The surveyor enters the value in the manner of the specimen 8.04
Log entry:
10.46
